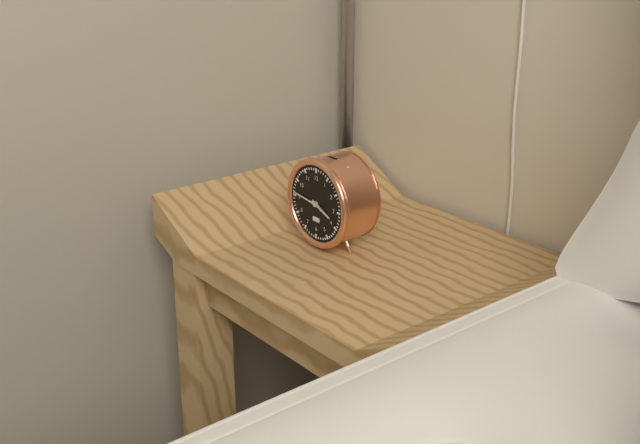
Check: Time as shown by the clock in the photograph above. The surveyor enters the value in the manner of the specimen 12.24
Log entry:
3.46
